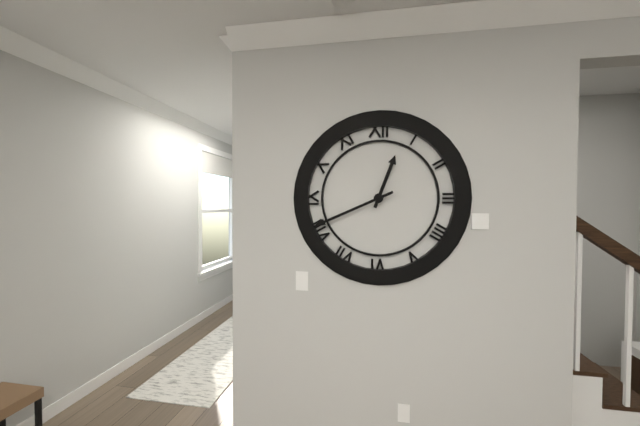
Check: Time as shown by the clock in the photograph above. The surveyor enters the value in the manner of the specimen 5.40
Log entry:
12.41
